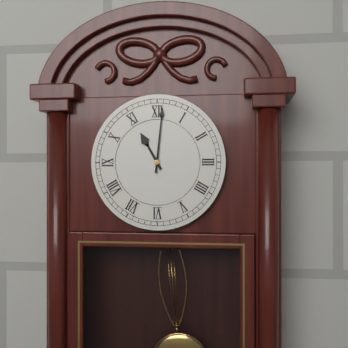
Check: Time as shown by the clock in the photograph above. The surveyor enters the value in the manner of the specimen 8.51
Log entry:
11.01
